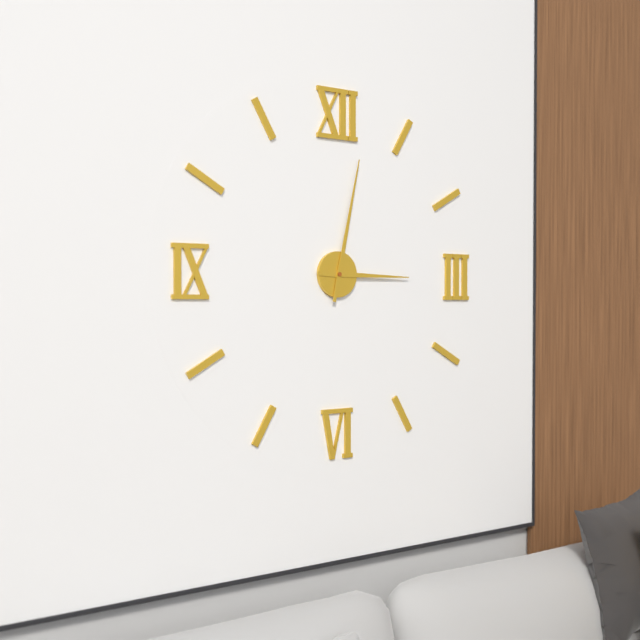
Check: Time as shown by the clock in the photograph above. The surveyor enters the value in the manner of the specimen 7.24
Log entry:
3.02
